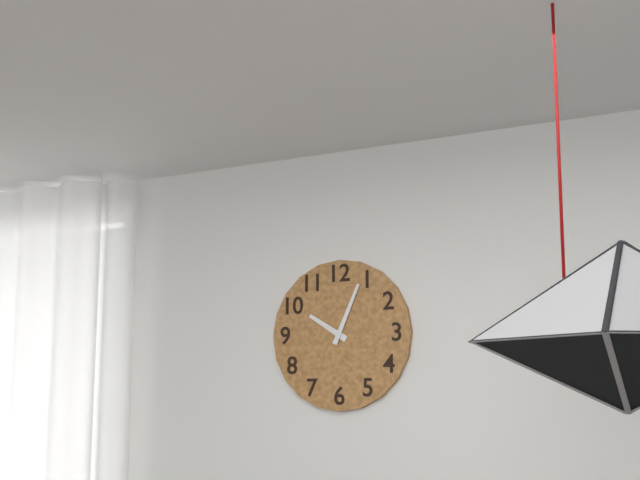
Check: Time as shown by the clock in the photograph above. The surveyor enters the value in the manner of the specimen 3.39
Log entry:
10.04
